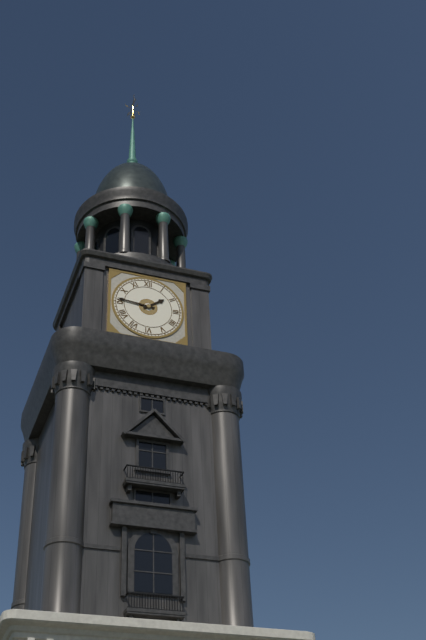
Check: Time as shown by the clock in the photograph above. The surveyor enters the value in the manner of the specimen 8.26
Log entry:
1.46
